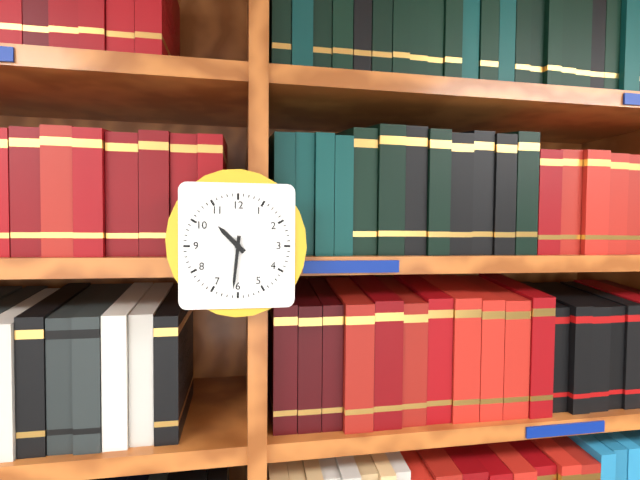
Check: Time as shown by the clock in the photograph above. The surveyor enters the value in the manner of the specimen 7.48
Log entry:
10.31
